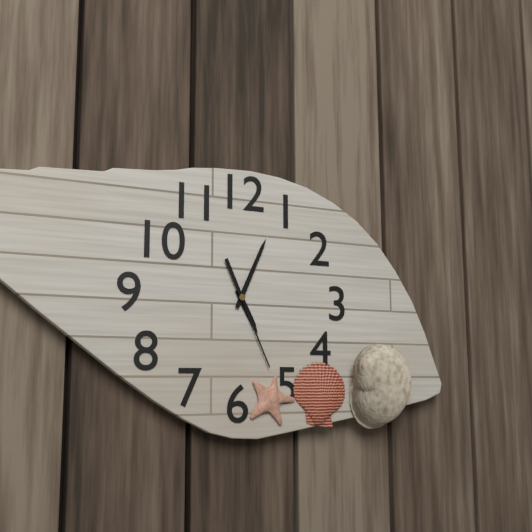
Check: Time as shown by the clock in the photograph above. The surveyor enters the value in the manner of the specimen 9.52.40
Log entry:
5.04.26
